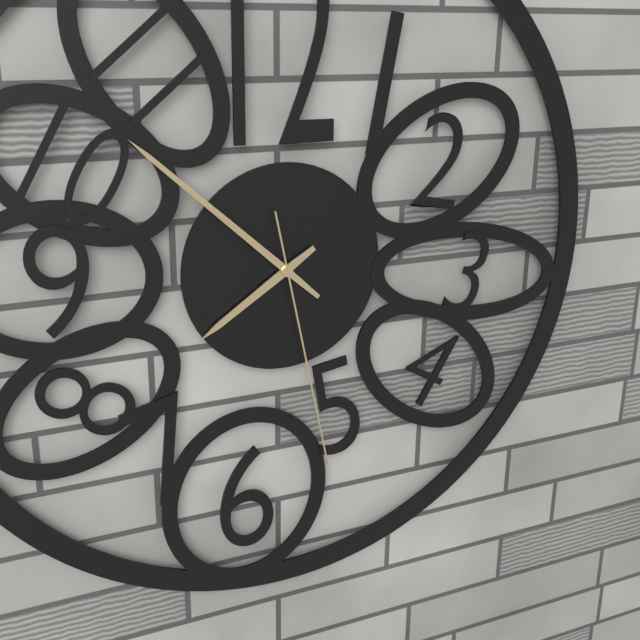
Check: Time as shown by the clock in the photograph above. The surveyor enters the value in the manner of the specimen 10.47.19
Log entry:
7.52.28
